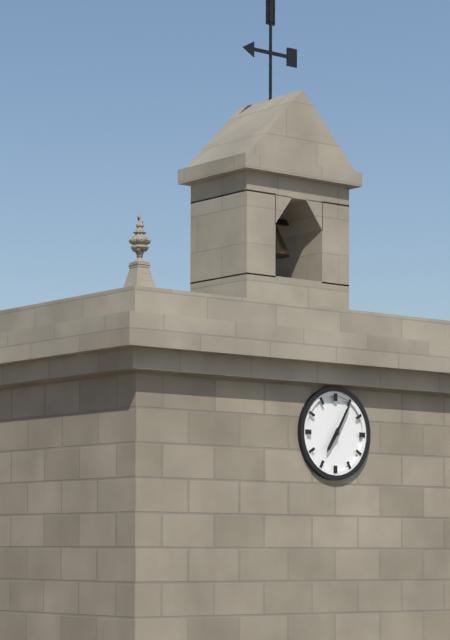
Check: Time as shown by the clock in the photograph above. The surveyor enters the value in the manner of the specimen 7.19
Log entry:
7.05
